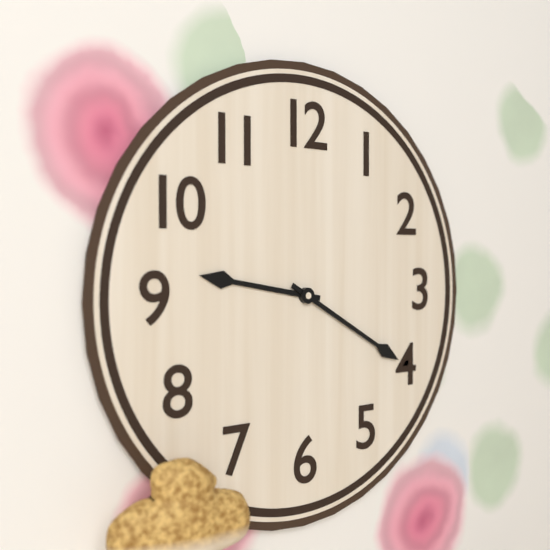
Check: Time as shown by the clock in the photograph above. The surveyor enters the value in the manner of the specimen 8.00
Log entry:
9.20
